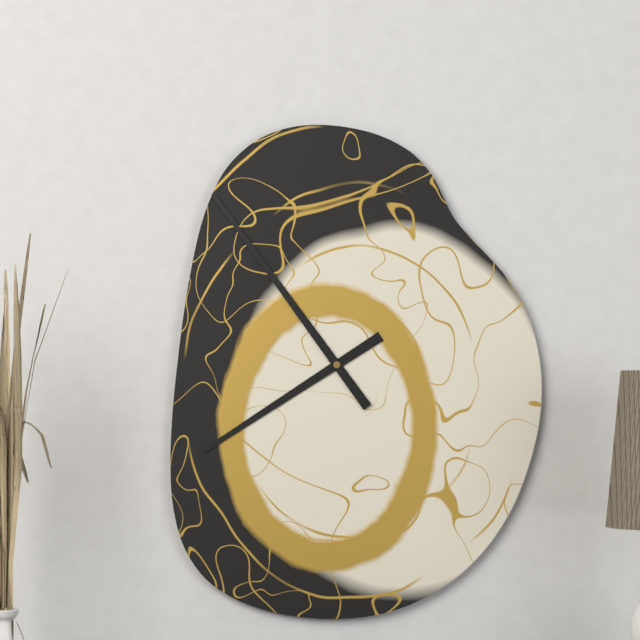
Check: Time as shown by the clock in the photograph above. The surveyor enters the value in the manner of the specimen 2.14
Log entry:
7.54
